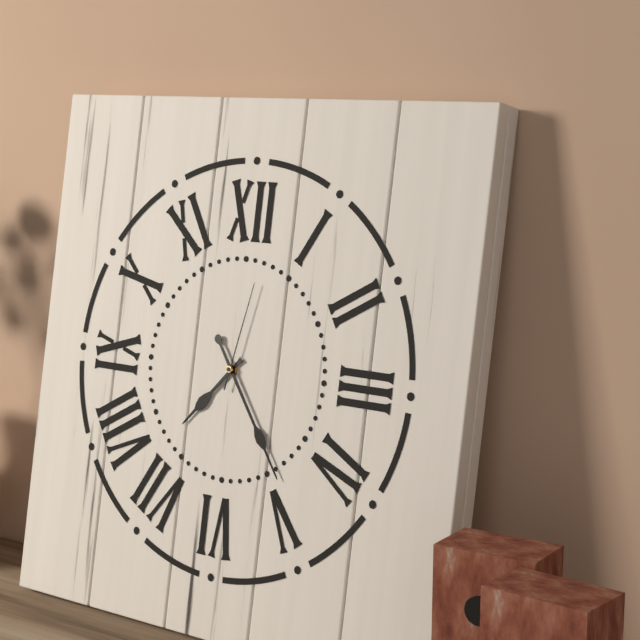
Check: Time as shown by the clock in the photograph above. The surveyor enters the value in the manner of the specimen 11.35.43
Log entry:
7.24.02
